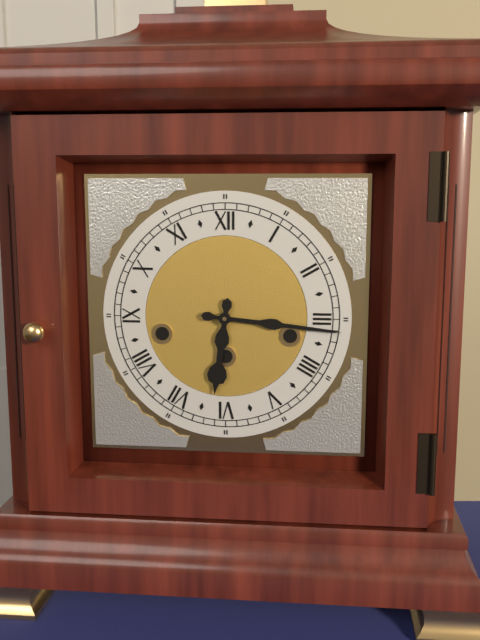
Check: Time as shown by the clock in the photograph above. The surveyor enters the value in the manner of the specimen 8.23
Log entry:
6.16
